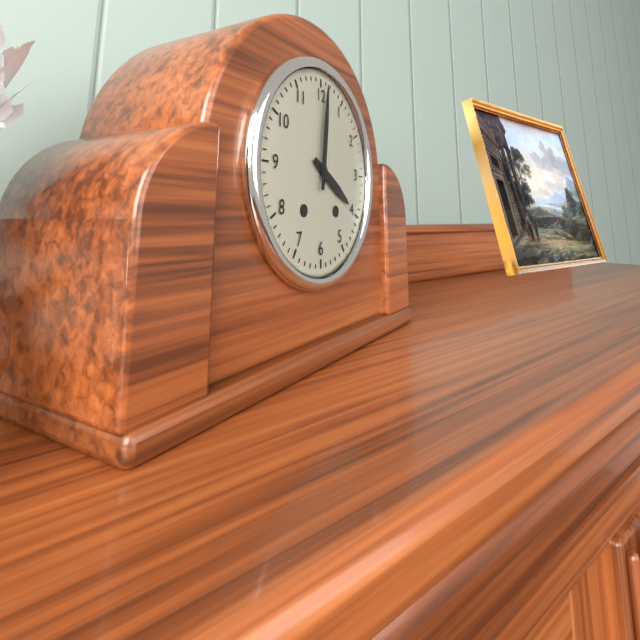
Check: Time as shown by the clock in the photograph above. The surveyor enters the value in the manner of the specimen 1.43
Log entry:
4.01
